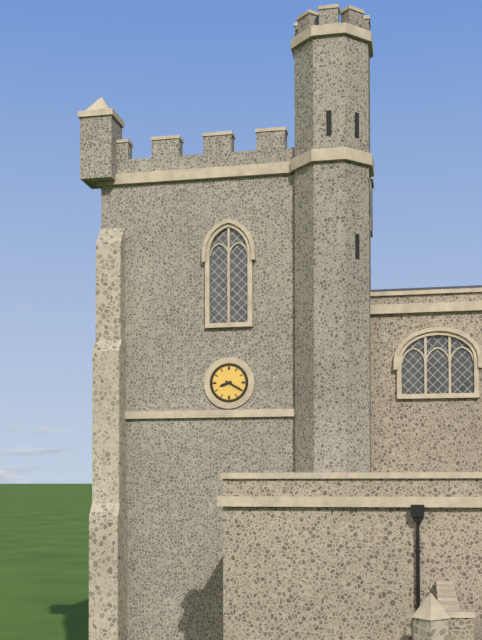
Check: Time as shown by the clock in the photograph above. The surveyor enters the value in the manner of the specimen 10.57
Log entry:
8.20
